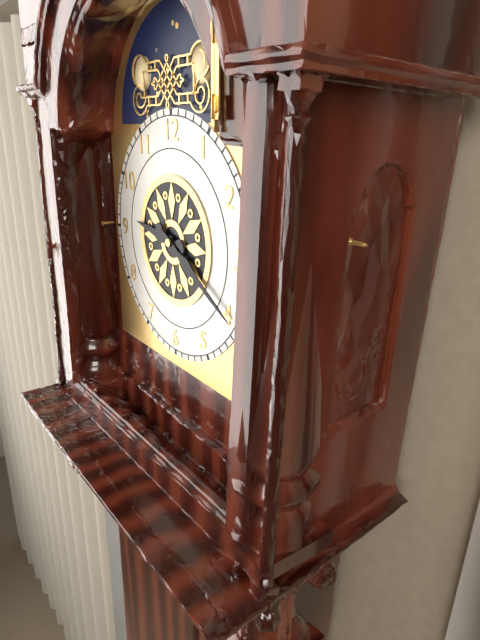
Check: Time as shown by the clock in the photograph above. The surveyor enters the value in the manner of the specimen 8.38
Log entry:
9.20
